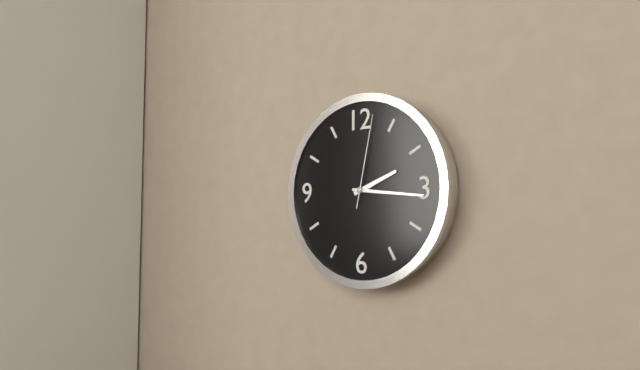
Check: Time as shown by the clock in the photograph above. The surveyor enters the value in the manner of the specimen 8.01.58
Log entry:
2.16.02
